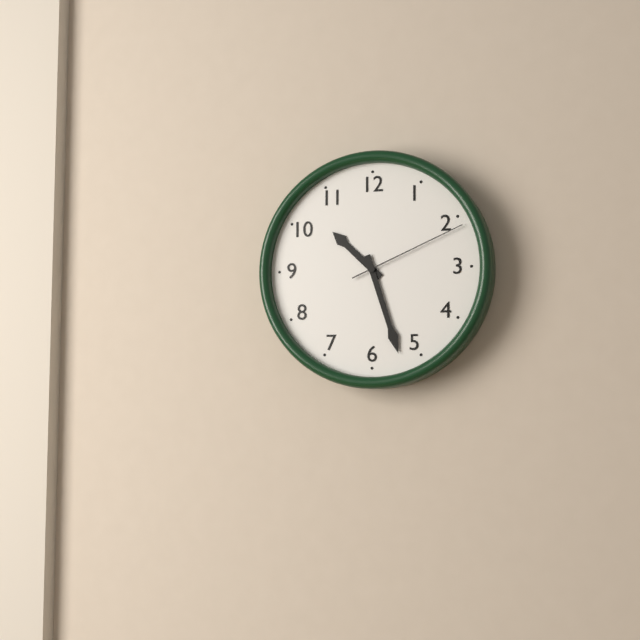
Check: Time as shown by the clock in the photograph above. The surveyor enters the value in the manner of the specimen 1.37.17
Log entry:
10.27.11
